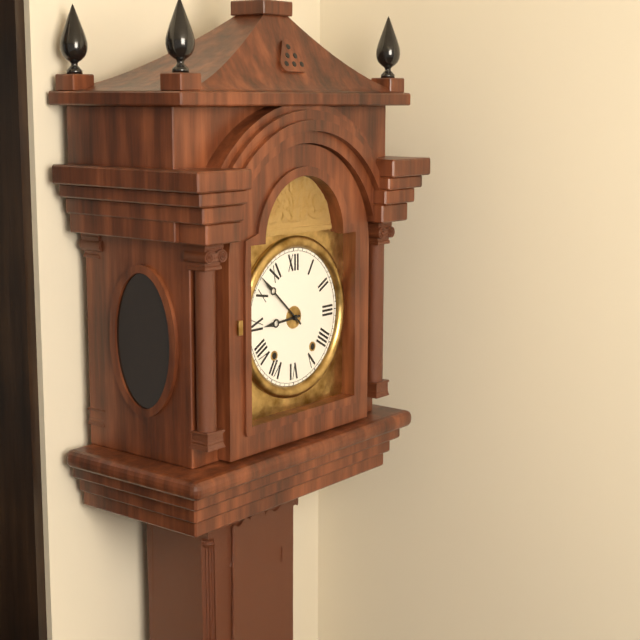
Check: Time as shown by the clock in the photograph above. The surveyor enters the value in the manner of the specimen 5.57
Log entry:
8.52
